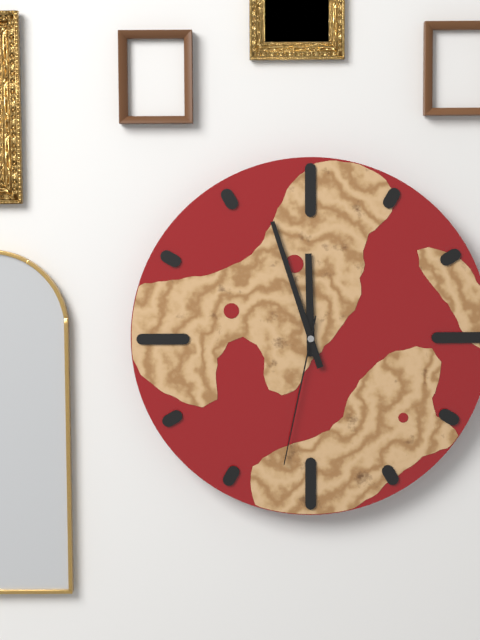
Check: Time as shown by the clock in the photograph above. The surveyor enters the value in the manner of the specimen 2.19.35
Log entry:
11.57.32
